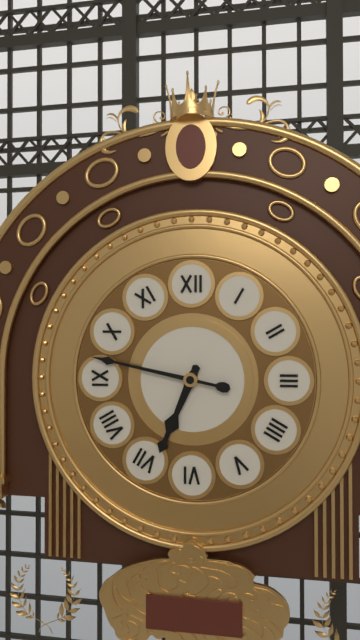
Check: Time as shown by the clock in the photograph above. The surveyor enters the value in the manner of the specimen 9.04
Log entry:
6.47
